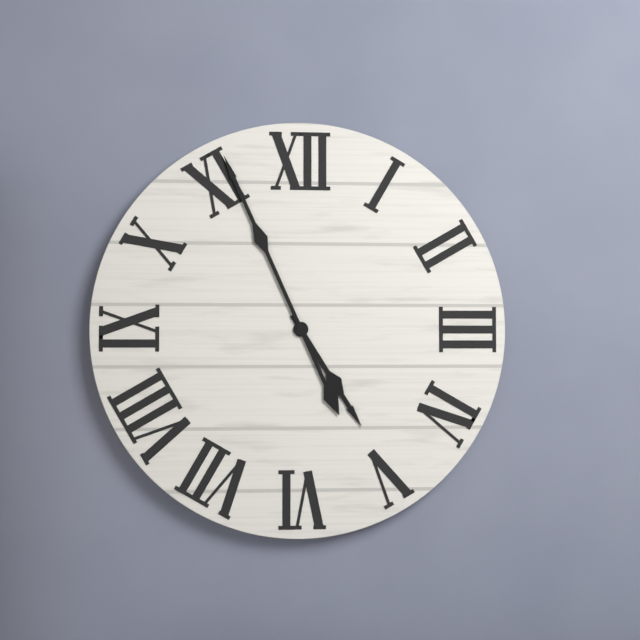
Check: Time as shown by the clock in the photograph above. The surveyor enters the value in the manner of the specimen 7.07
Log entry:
4.56
